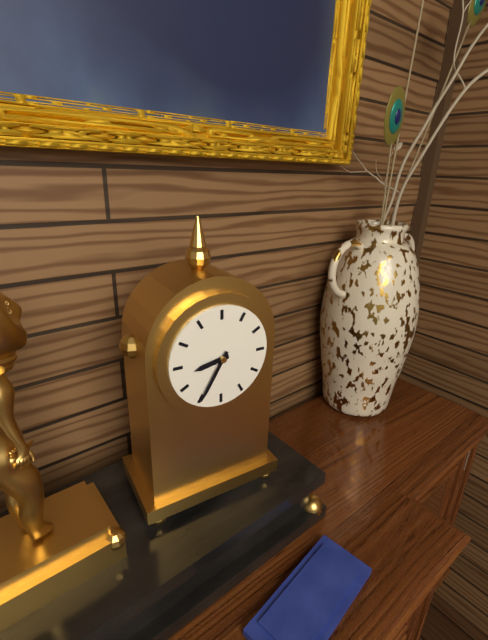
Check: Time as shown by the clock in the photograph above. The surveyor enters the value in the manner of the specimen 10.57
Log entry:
8.35
